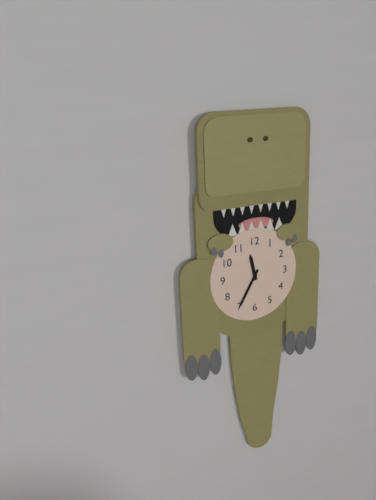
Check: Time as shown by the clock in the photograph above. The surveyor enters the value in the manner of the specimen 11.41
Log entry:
11.35
